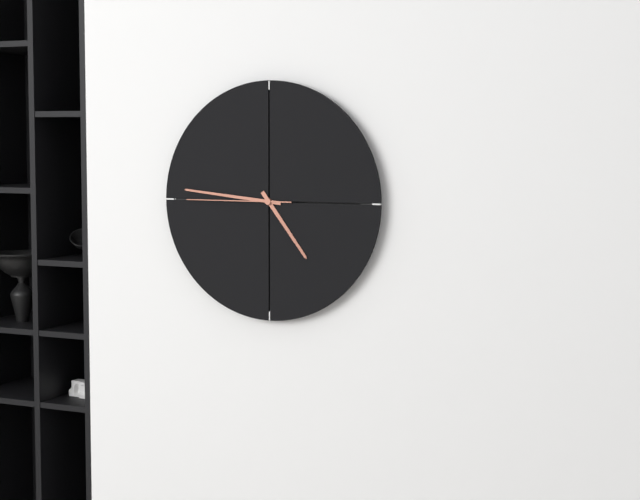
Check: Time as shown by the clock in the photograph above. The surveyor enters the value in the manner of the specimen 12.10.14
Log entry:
4.46.45
